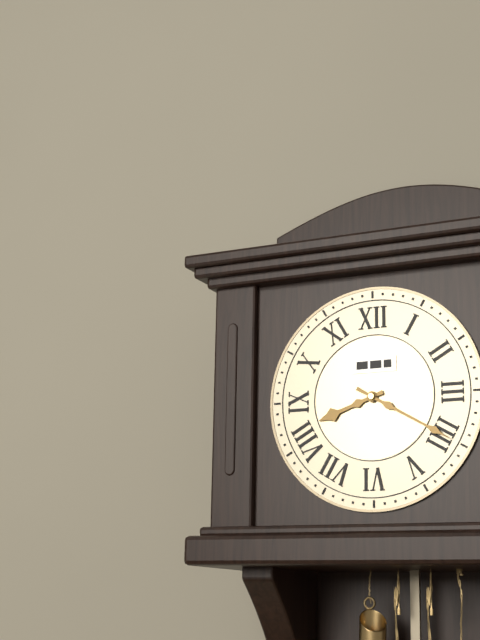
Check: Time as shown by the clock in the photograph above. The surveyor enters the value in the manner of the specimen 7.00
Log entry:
8.20
